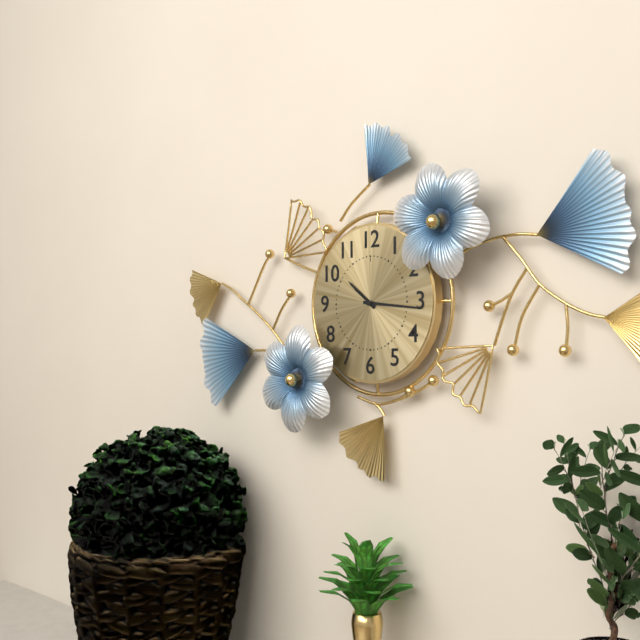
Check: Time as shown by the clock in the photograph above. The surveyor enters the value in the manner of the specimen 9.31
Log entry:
10.16
